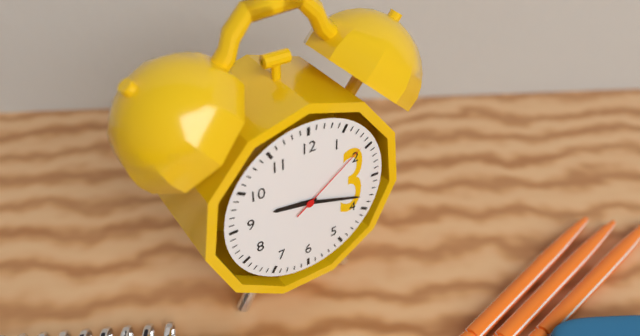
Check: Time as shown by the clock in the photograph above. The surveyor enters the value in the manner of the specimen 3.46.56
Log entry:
9.18.09
